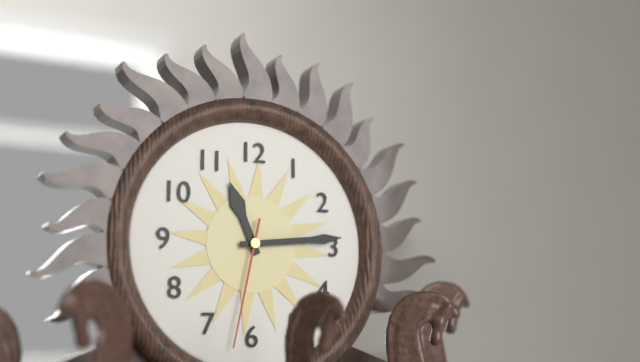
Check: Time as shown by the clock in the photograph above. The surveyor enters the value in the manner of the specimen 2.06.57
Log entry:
11.14.32
